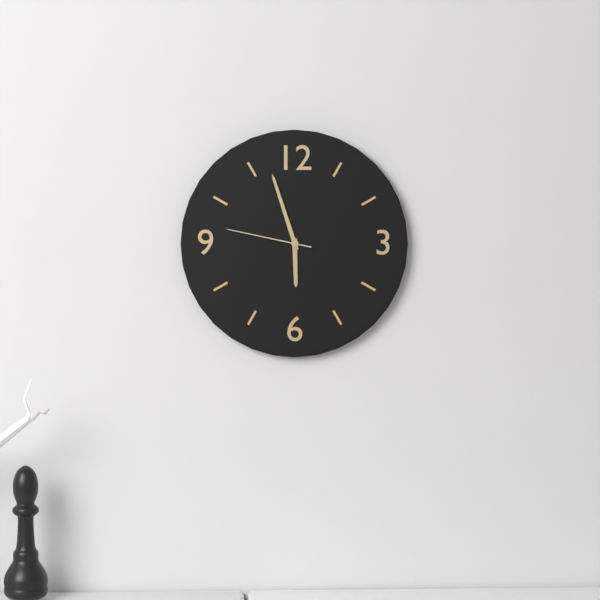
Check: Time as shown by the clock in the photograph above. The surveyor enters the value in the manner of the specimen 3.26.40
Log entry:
5.57.47
